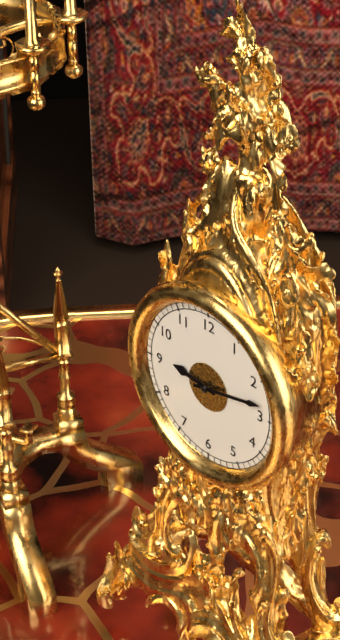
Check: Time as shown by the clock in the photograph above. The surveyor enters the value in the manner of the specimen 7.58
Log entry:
9.13
